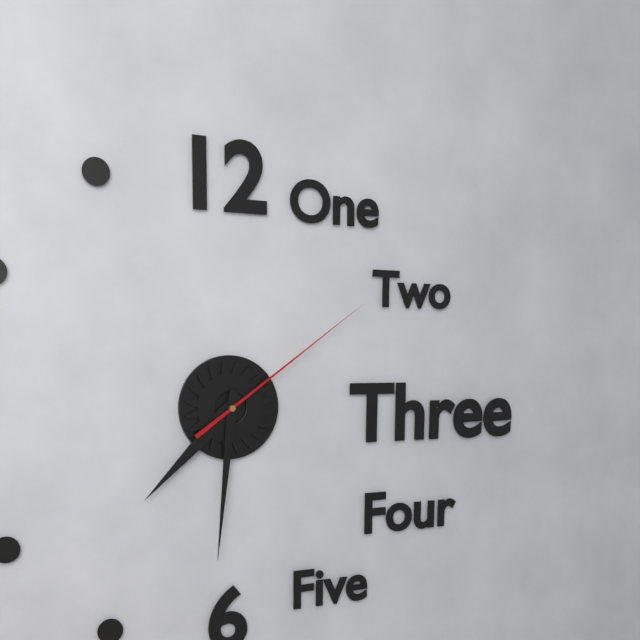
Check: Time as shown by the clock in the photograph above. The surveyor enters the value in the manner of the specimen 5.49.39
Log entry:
7.31.09
